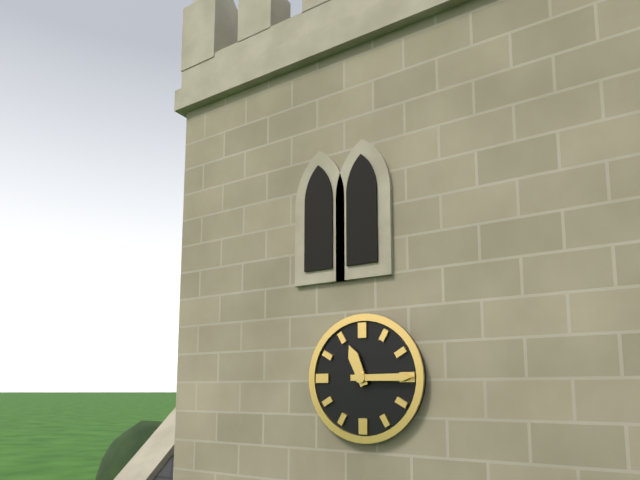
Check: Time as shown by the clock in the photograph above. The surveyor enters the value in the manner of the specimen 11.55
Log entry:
11.15
